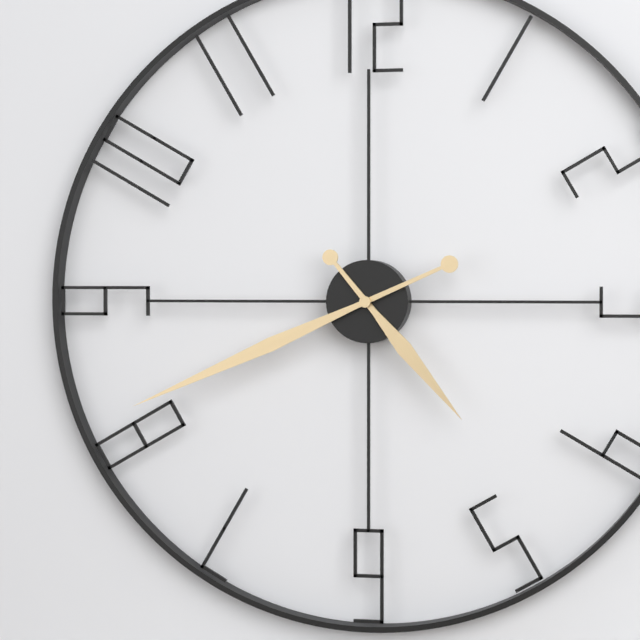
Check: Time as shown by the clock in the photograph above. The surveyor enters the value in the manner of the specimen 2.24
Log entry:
4.41
